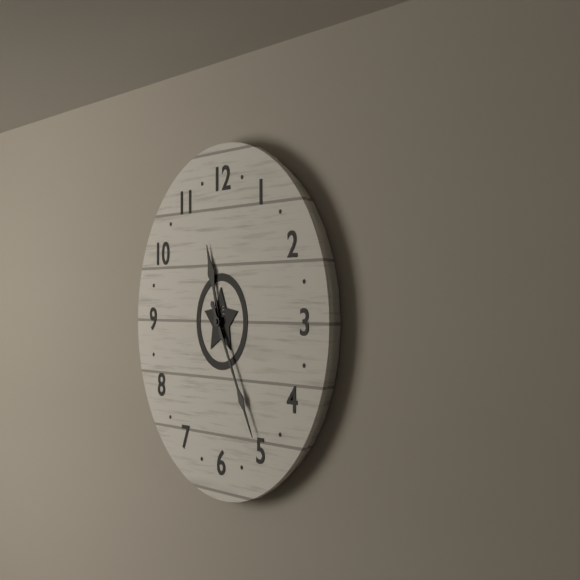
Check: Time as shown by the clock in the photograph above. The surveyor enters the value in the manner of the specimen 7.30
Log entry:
11.25
